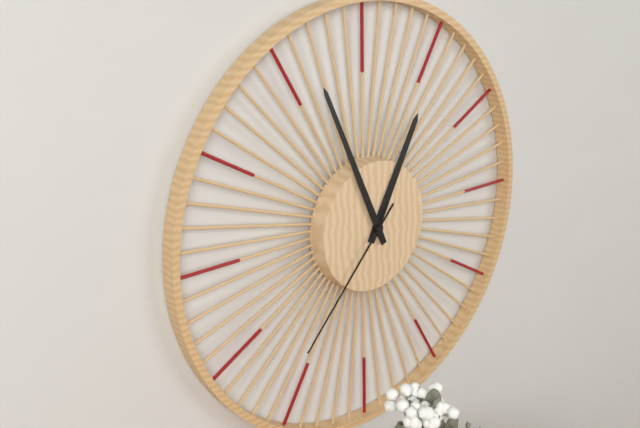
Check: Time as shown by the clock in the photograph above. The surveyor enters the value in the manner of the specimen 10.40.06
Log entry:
12.56.37
